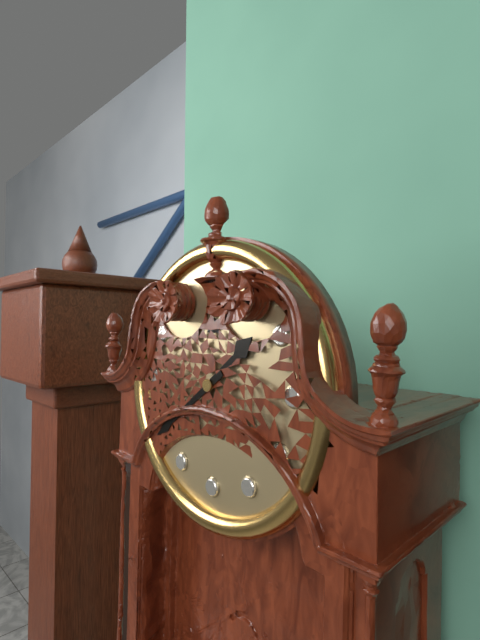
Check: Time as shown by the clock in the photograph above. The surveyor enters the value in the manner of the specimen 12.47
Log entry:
1.39
